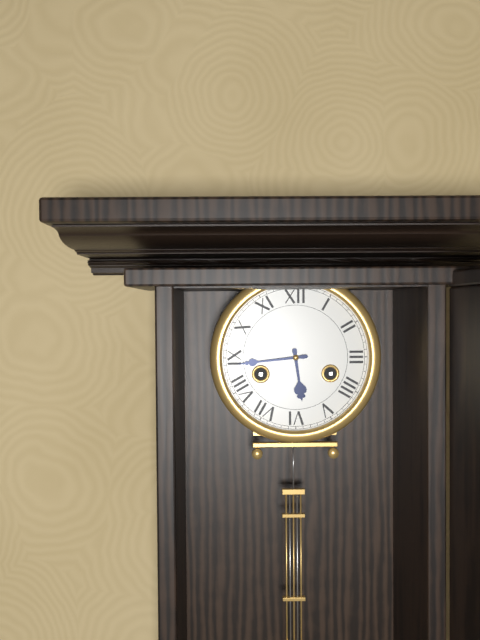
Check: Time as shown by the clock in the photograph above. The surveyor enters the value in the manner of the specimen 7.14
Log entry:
5.44
